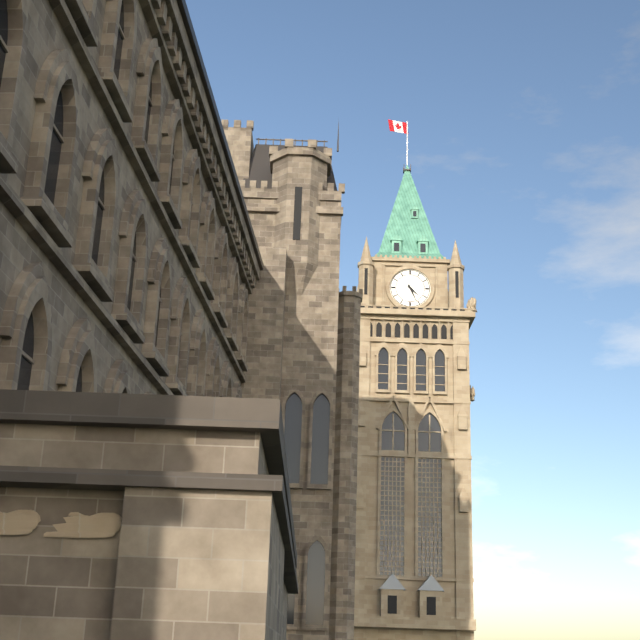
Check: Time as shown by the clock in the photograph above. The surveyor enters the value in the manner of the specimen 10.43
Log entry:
4.26
